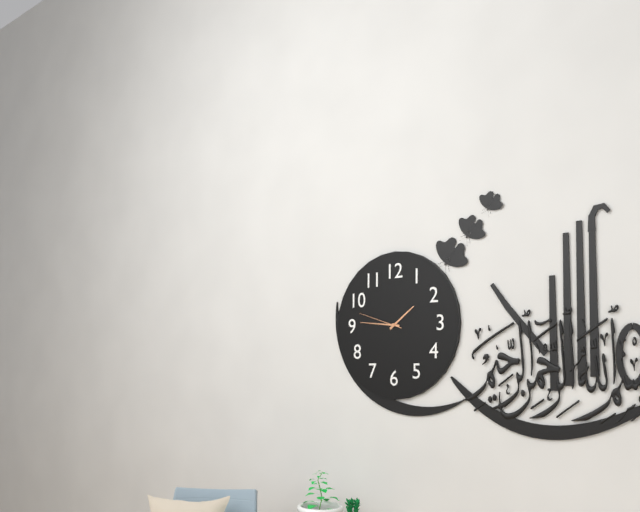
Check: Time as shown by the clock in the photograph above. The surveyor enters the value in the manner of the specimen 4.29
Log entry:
1.46
